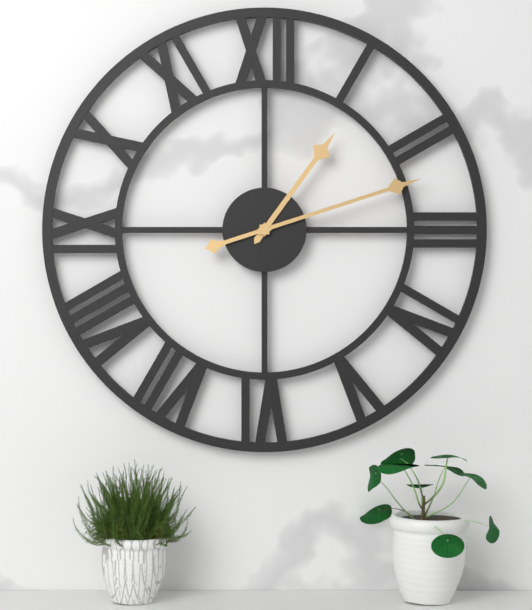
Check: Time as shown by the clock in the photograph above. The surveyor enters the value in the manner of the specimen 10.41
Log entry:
1.12
